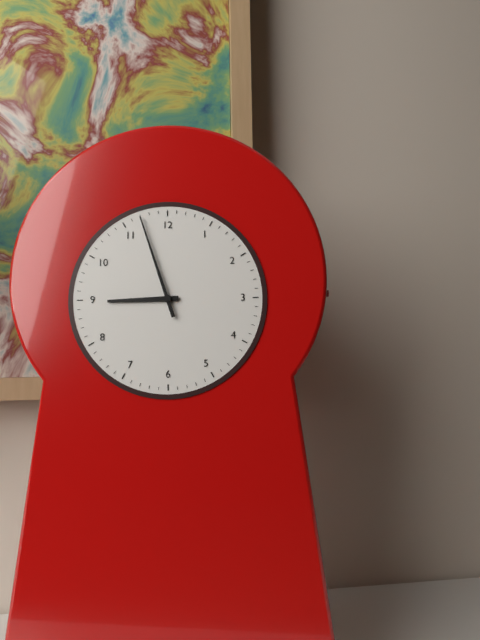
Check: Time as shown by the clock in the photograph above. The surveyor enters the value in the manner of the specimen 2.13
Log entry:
8.57
